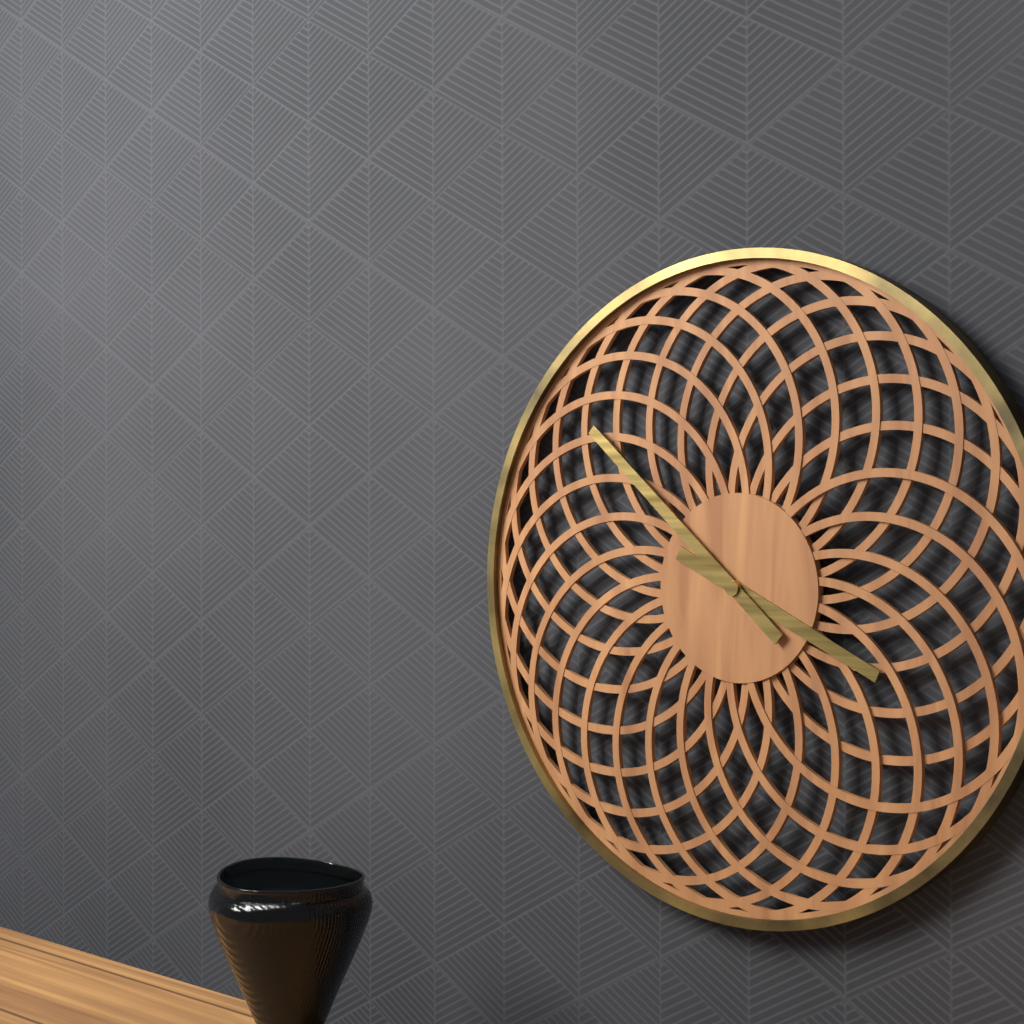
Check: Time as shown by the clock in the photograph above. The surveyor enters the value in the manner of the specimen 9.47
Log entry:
3.52
